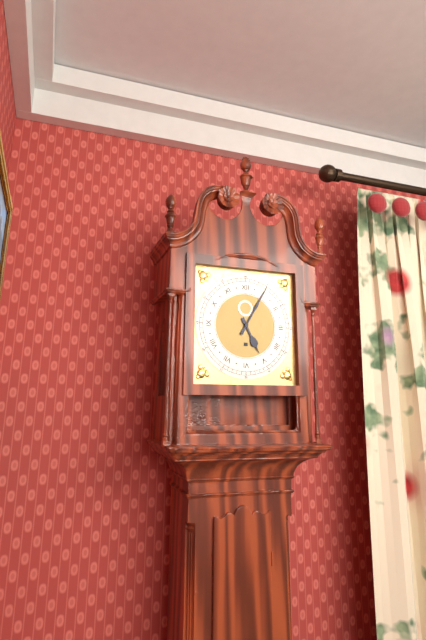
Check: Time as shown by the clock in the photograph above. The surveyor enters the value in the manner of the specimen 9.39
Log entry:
5.05
